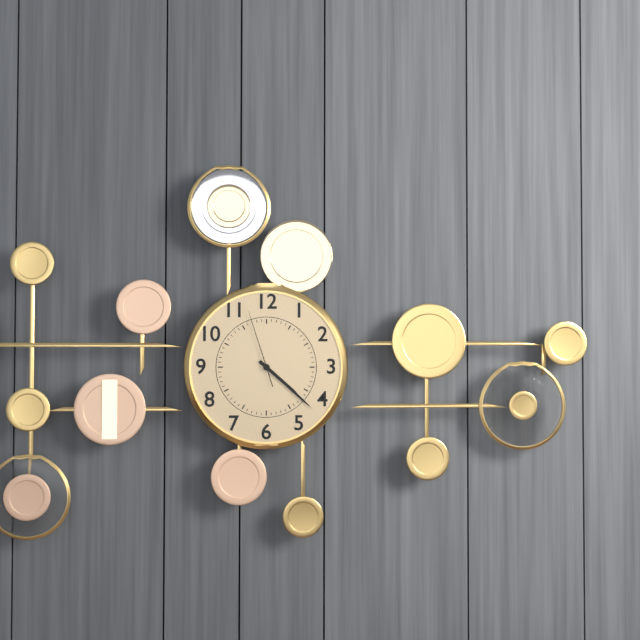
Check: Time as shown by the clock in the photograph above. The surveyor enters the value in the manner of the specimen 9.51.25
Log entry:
4.22.57
